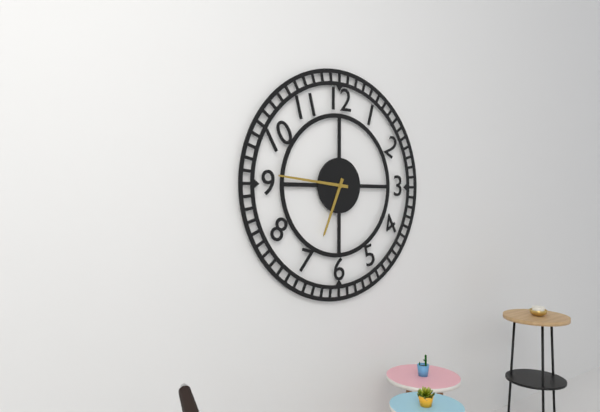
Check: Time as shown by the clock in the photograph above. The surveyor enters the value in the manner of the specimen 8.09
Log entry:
6.46
